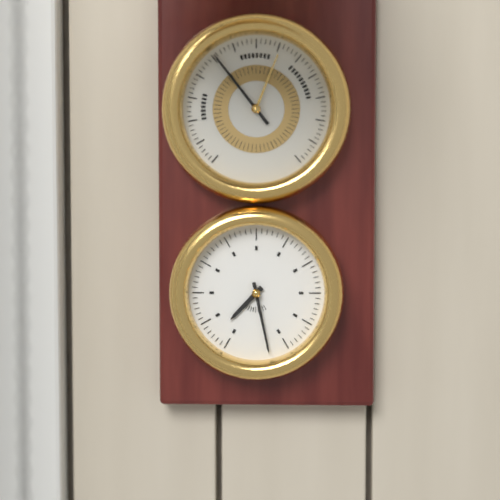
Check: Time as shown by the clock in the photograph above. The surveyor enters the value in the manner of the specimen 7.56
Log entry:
7.28
